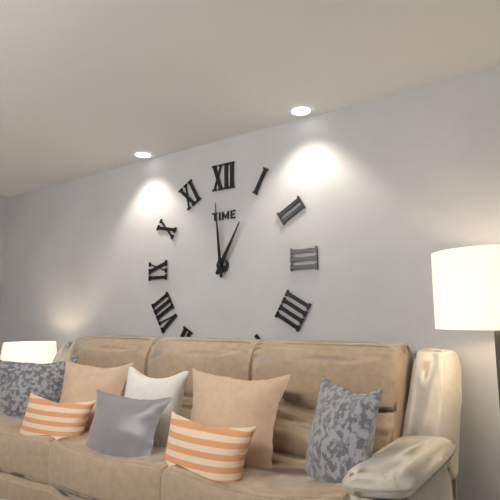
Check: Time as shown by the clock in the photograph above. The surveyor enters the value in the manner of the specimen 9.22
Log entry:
12.59
